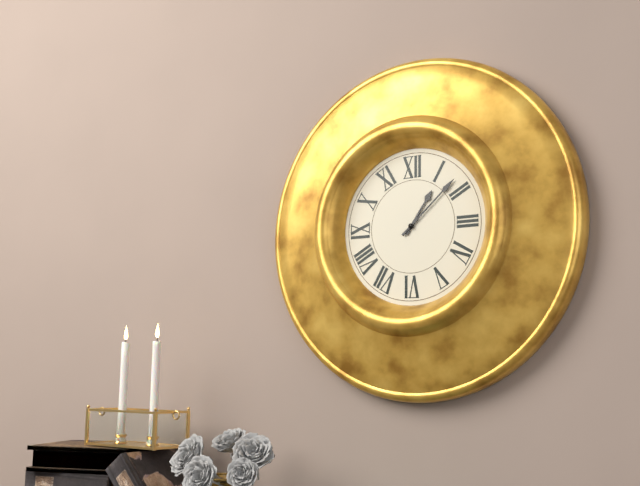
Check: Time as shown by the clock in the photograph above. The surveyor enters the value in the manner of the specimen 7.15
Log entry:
1.08
